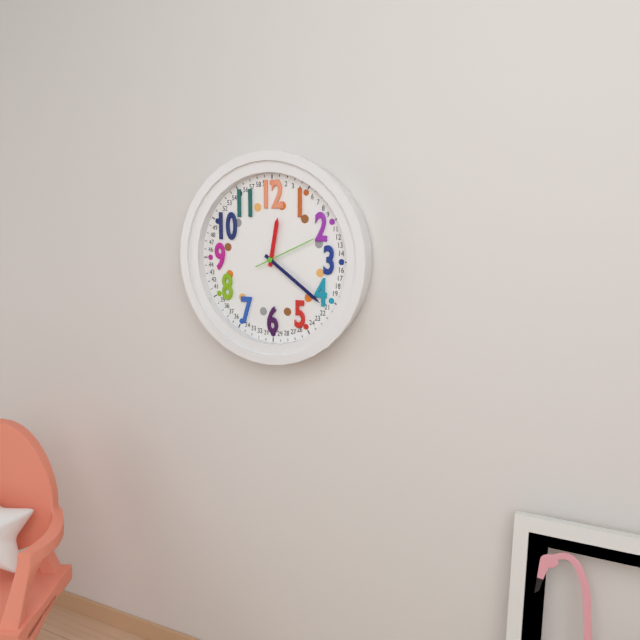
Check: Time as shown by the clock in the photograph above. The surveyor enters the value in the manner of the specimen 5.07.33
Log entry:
12.21.11
